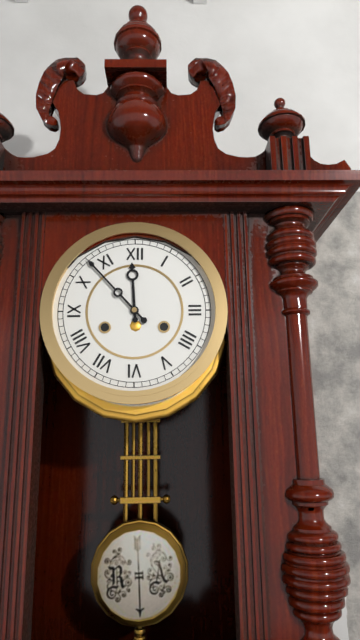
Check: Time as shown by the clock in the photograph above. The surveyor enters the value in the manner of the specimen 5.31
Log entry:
11.53
